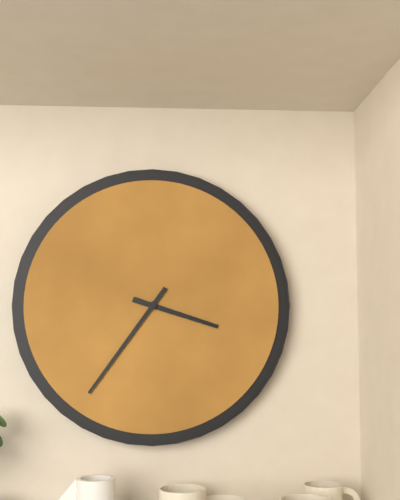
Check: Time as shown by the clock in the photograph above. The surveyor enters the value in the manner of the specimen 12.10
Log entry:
3.36
